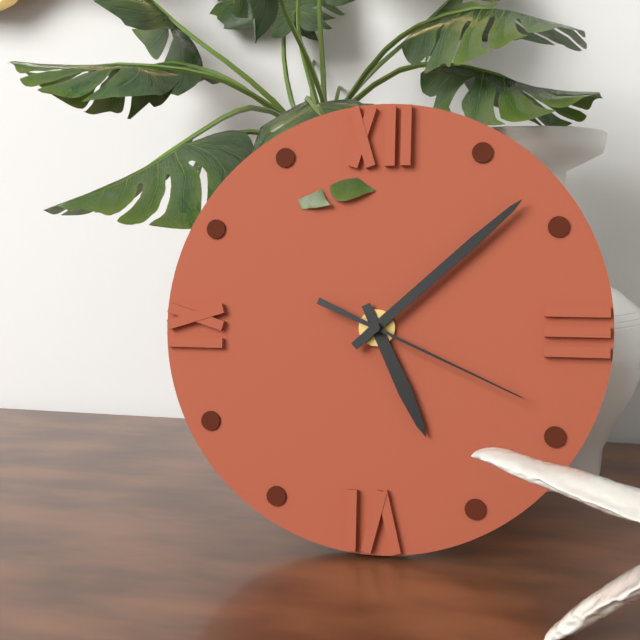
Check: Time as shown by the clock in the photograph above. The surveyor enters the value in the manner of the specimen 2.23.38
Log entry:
5.08.19
